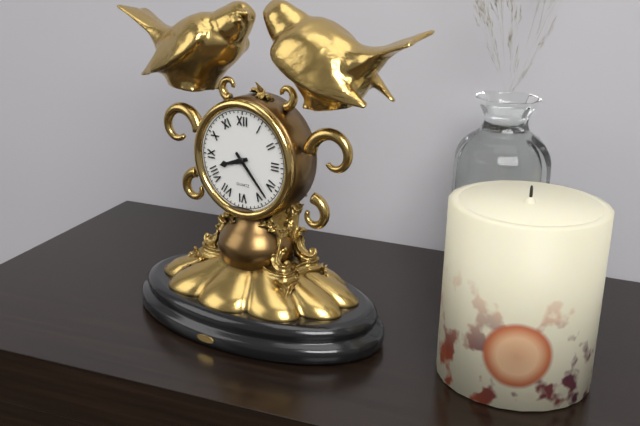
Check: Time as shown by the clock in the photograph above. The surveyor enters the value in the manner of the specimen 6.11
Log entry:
8.23
